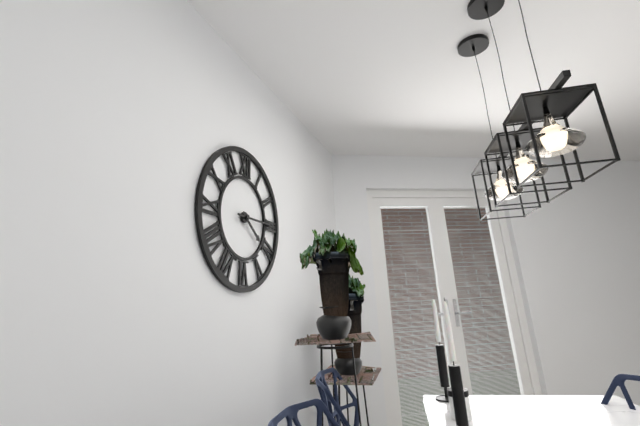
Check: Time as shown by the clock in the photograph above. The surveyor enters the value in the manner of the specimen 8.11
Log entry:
4.15
